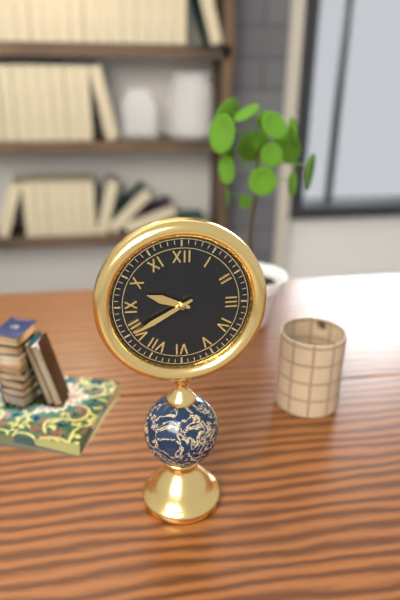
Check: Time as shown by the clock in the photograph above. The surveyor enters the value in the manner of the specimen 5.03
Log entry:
9.40
